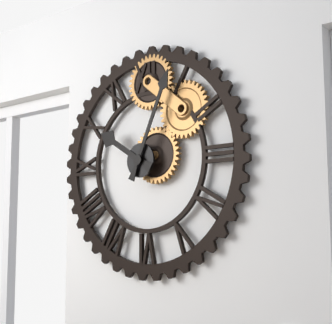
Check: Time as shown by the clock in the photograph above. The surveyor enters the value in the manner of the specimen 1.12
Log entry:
10.04
